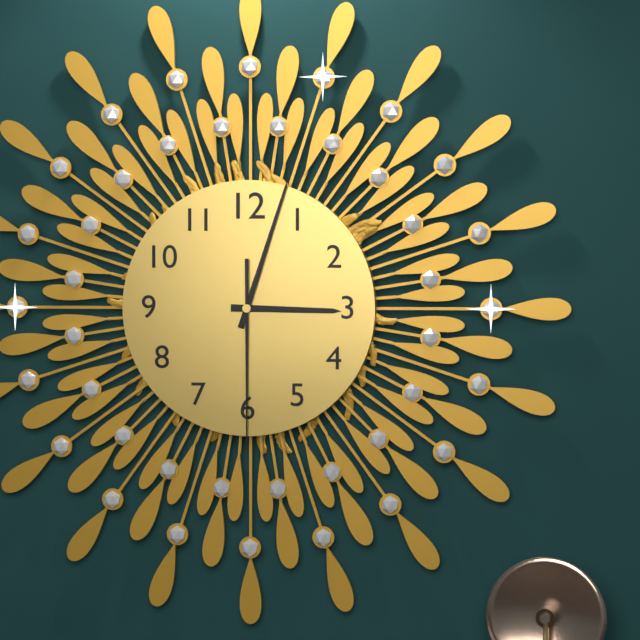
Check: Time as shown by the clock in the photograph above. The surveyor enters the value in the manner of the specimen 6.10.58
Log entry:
3.03.30
